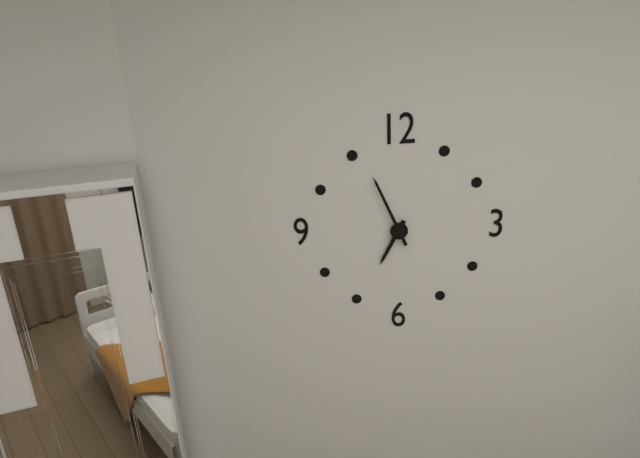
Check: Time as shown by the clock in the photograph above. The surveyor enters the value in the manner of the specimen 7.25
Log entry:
6.56
